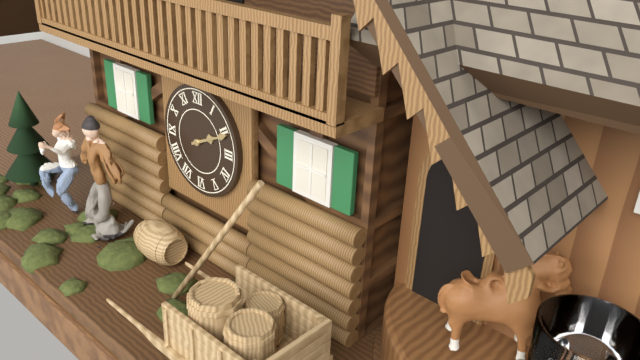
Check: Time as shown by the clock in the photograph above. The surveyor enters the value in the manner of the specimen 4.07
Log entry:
2.11
